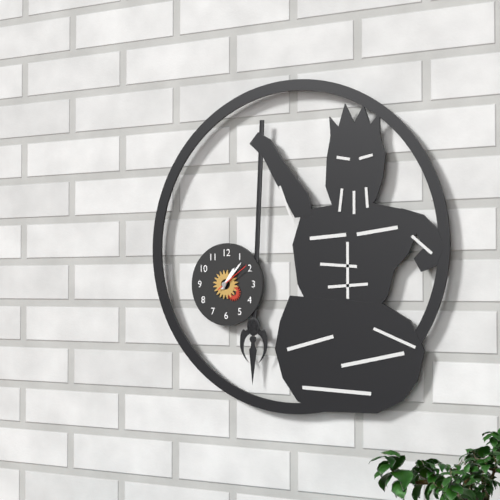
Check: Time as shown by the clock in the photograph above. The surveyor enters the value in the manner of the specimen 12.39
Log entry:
1.07
